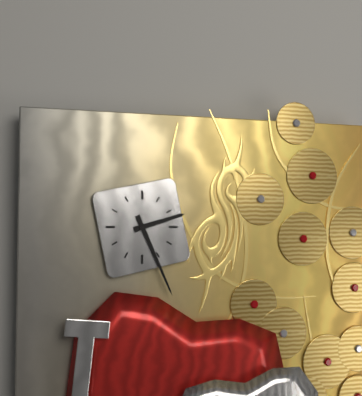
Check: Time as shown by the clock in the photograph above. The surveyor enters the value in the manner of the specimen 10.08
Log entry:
2.26
